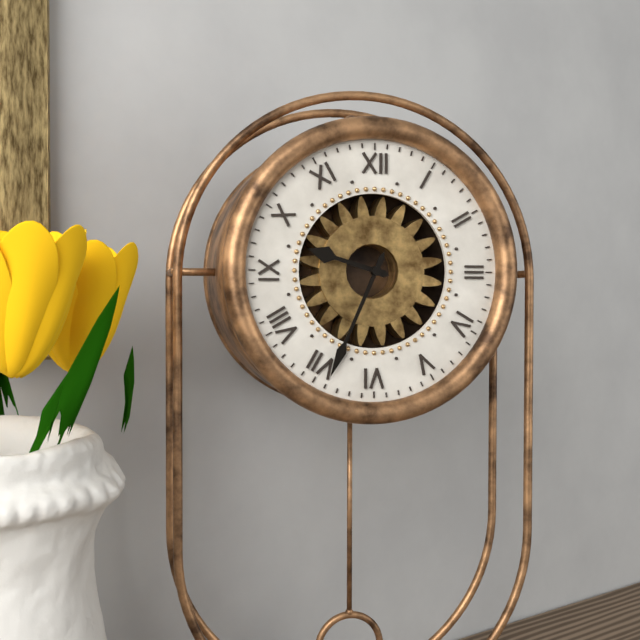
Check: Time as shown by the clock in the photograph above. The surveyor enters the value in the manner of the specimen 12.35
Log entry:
9.34
